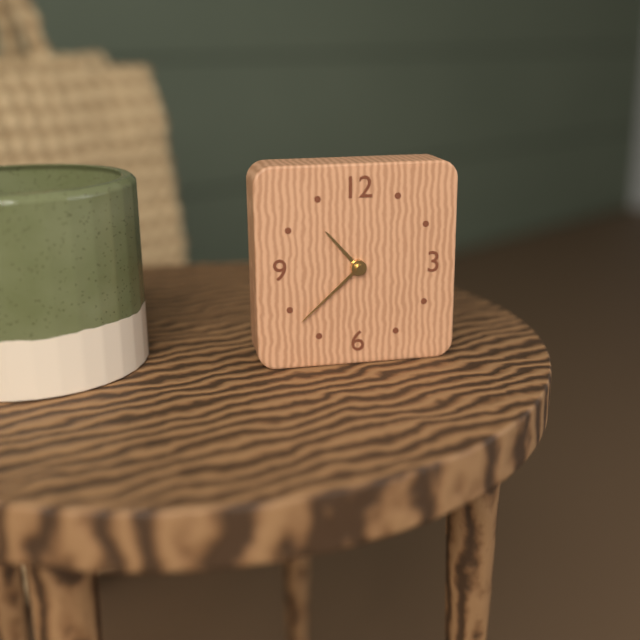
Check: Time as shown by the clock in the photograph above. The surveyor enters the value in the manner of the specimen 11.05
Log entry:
10.38
